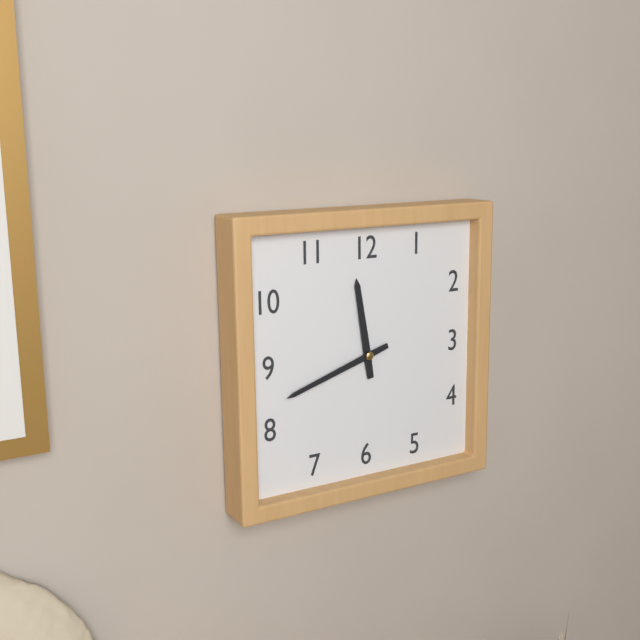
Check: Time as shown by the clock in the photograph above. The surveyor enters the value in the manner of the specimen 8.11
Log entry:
11.42
